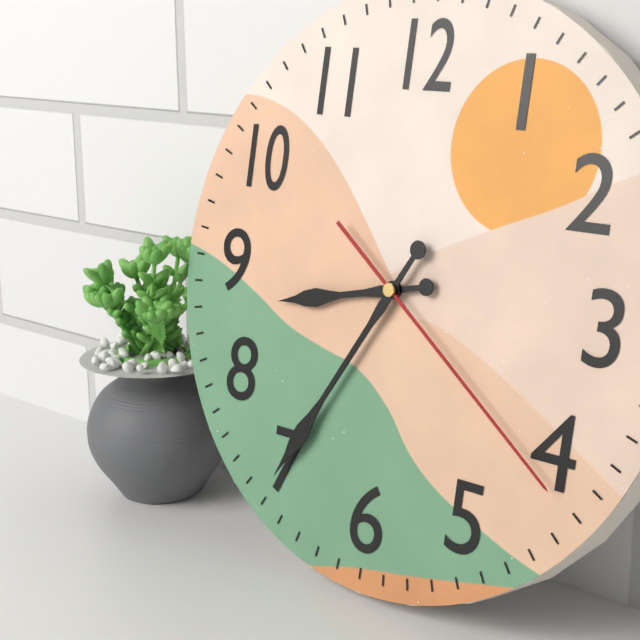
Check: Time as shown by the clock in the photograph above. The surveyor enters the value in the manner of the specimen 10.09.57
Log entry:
8.35.21
